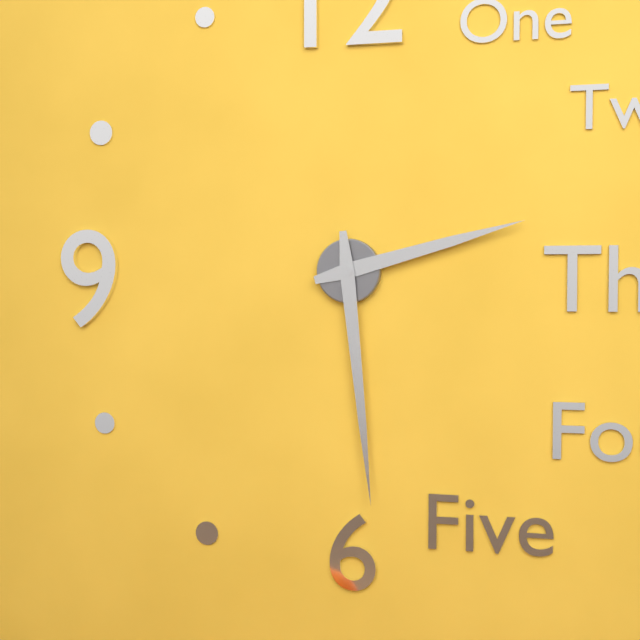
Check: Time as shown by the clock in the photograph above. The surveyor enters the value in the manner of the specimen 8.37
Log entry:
2.29
